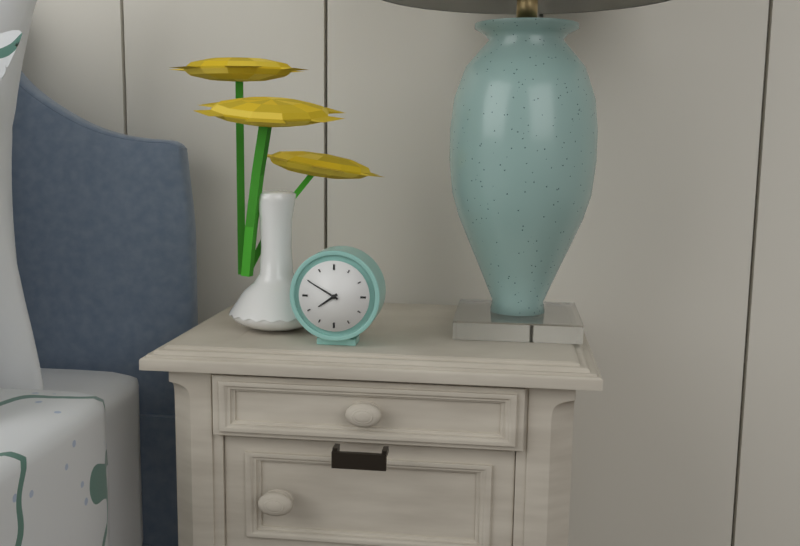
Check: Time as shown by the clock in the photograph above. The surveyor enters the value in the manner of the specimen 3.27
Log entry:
7.50
